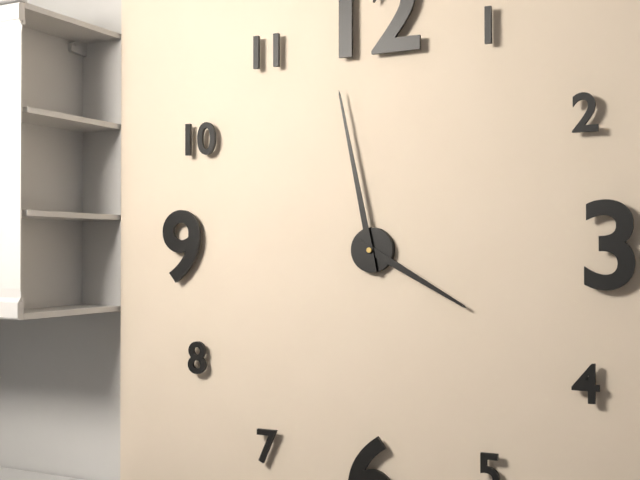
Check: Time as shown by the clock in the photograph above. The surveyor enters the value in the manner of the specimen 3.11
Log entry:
3.58
